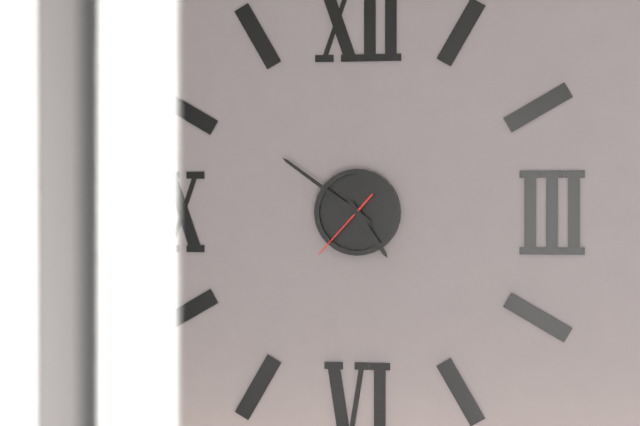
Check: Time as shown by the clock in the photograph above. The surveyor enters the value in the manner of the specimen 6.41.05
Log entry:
4.51.37
